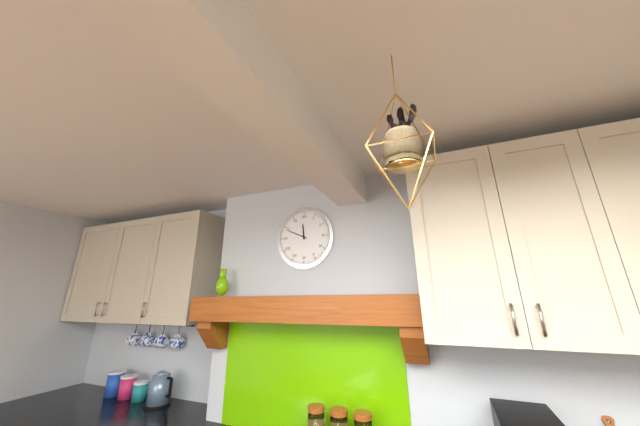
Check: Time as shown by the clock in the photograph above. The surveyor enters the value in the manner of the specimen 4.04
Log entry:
11.49
